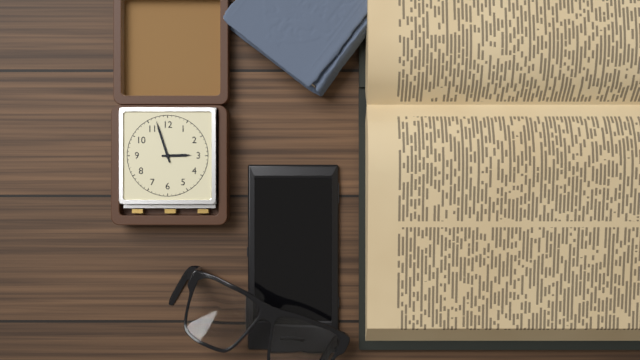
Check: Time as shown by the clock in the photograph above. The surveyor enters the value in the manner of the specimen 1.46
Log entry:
2.57
